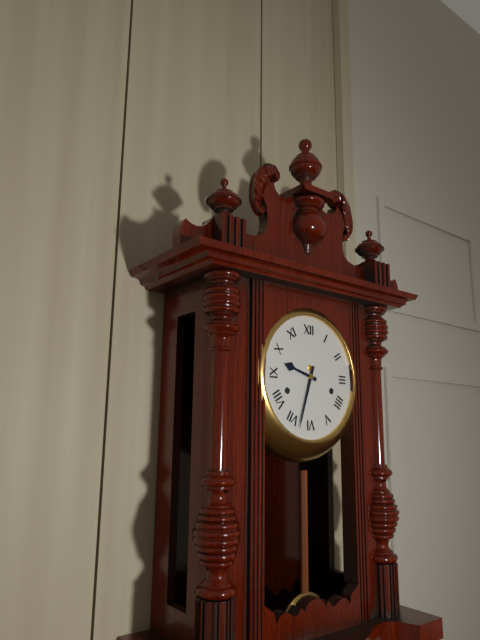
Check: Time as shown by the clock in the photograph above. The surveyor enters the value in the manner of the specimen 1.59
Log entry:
9.33
